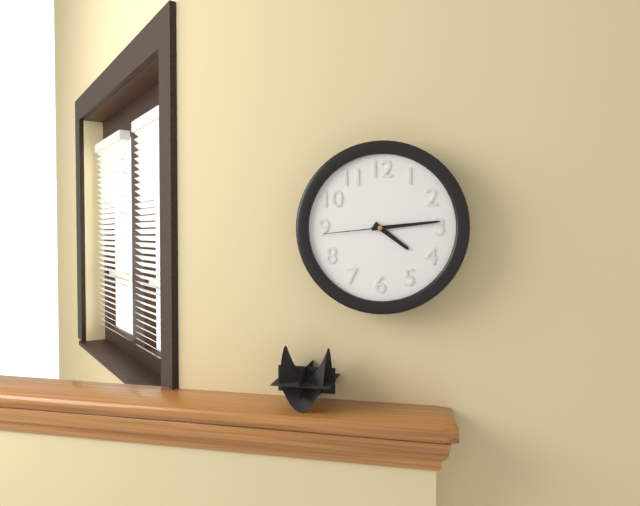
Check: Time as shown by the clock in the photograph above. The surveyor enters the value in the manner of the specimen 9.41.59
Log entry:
4.14.44
